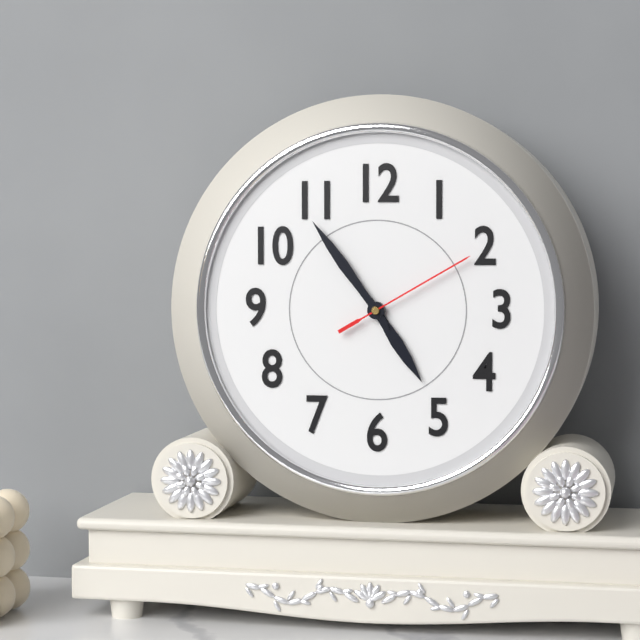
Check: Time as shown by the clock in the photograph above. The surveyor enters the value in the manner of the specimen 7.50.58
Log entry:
4.54.10
